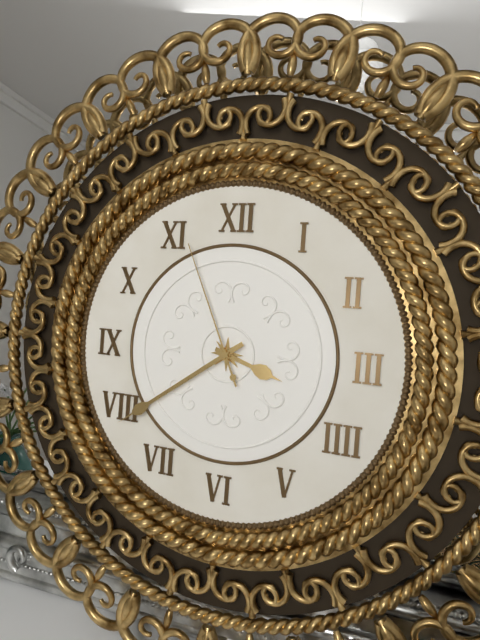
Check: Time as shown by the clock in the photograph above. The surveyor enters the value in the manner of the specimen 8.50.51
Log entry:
3.39.56
